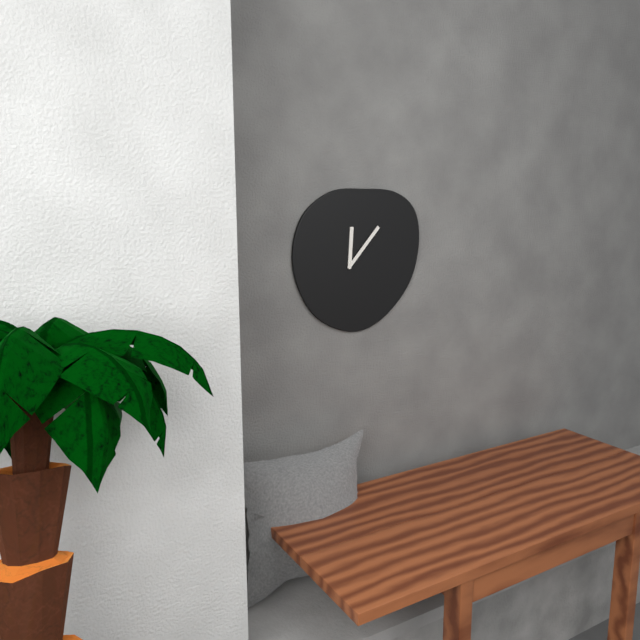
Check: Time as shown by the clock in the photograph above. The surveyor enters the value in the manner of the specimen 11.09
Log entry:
12.07
